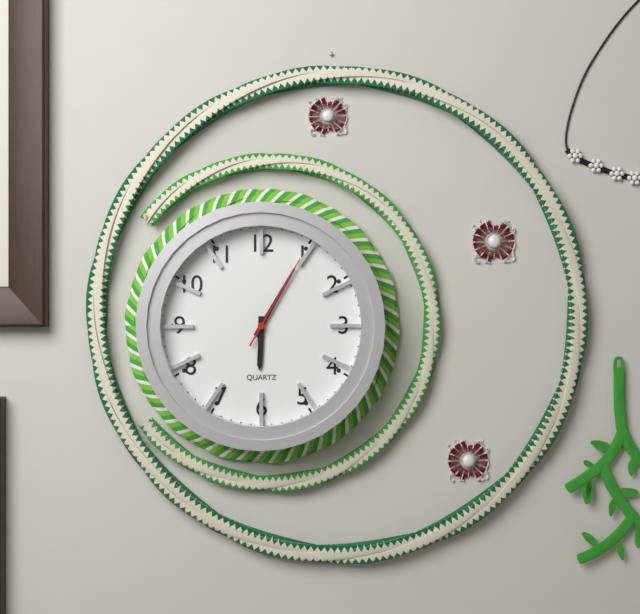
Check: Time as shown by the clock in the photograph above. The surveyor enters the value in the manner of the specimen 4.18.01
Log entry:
6.05.05
